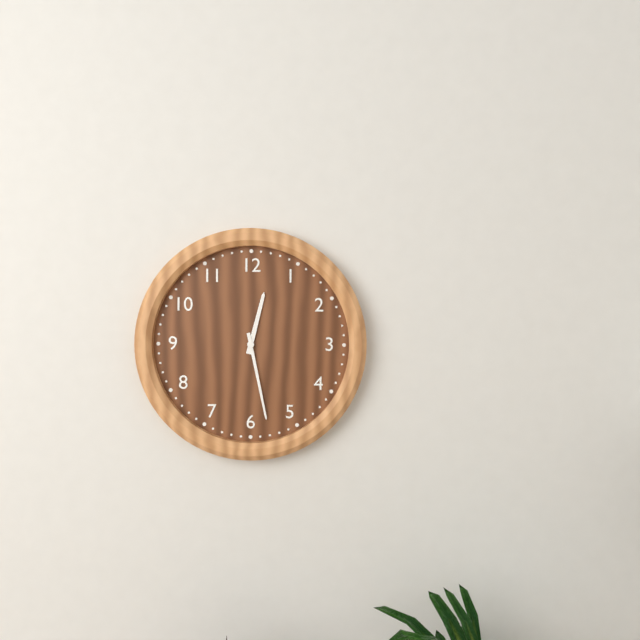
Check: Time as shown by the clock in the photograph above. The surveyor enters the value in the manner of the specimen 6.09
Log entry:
12.28
